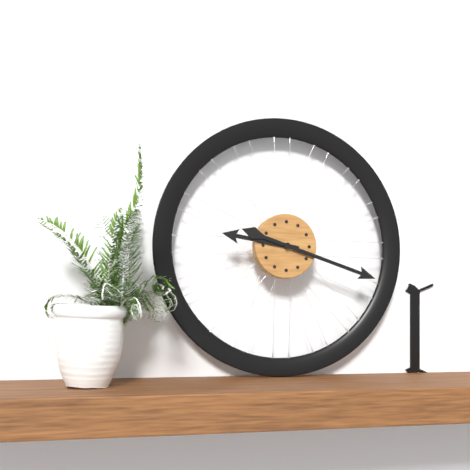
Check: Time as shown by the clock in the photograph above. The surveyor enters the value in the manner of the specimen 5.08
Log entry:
9.18
